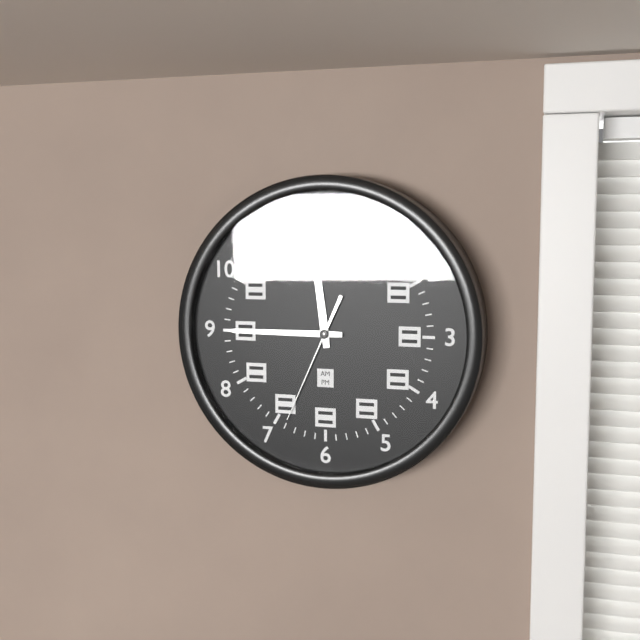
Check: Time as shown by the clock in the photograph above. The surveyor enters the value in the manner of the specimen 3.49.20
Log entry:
11.45.34
